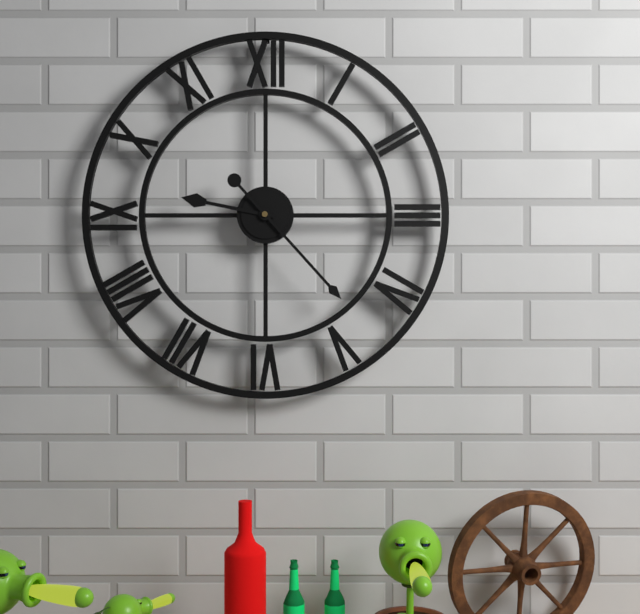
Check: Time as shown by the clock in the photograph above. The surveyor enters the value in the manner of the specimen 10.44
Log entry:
9.23
